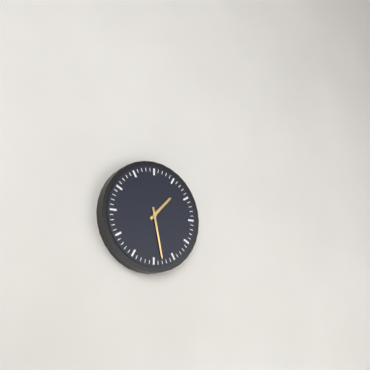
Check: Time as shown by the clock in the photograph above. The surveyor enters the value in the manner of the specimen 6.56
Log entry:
1.28
